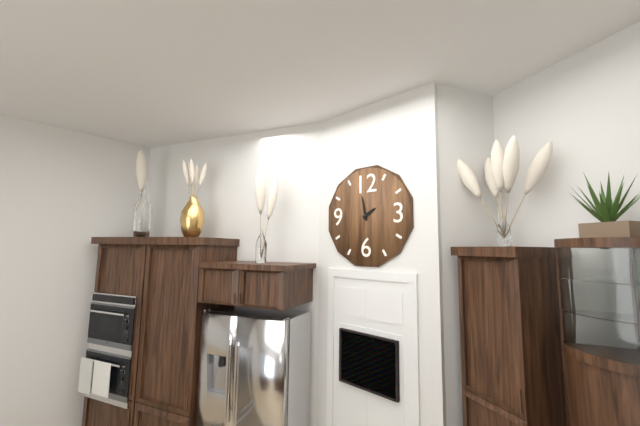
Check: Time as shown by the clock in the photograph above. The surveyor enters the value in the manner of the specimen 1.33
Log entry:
1.58
